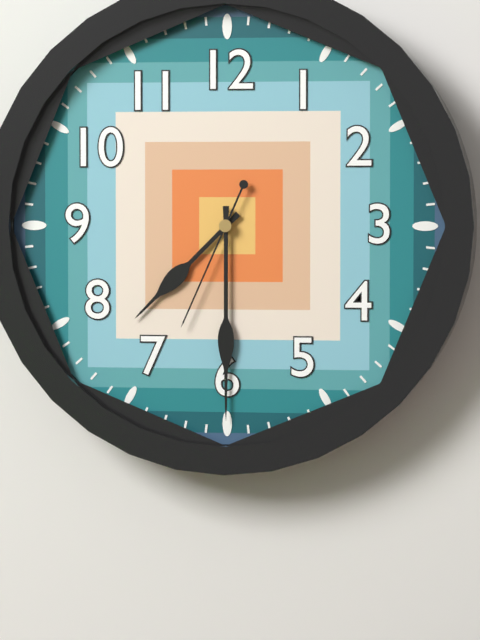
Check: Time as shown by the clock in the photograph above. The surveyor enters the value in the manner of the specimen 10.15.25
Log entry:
7.30.34
